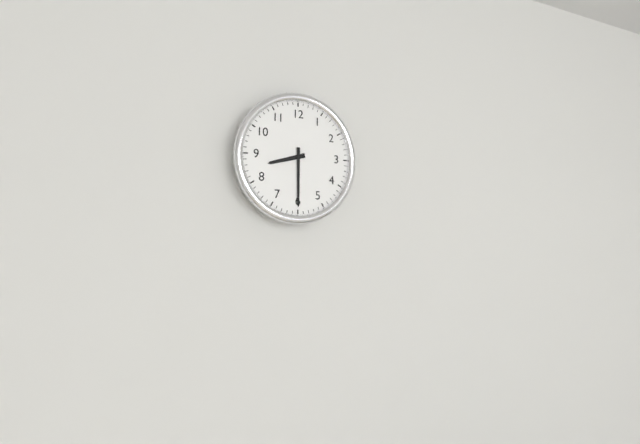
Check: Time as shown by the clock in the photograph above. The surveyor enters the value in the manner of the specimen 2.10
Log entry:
8.30
